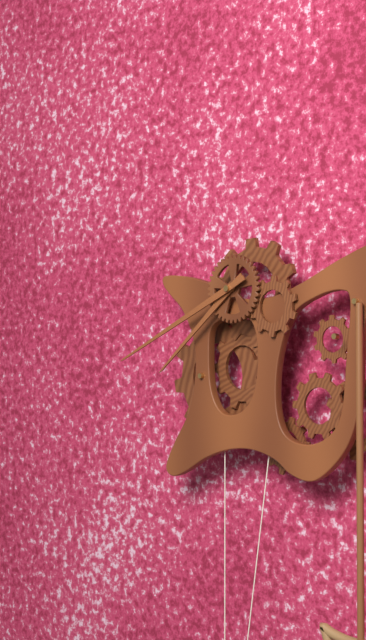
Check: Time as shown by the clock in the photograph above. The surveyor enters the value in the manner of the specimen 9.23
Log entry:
7.41
